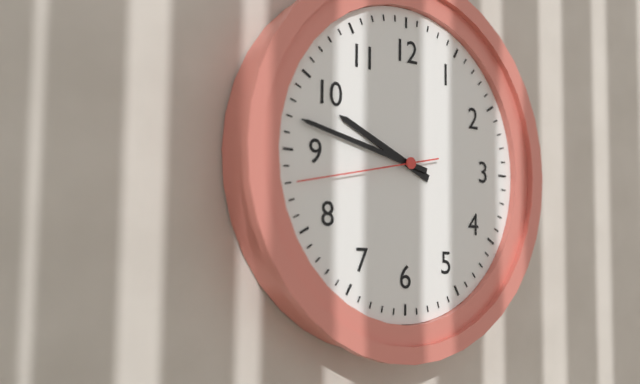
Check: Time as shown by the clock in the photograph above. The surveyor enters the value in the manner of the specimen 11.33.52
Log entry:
9.47.43
